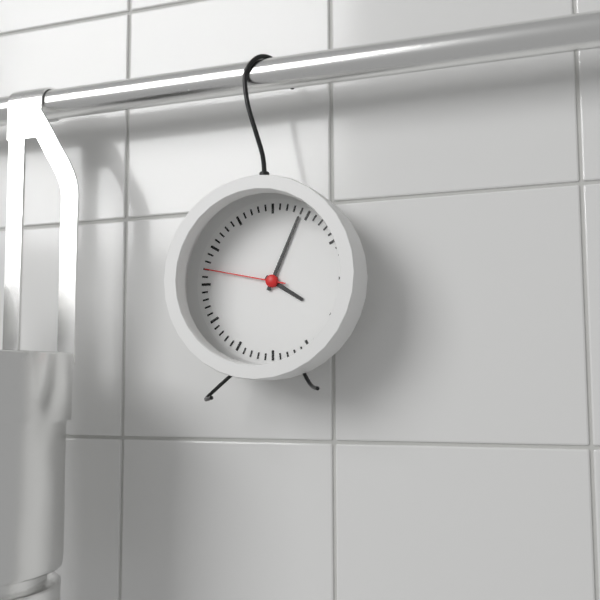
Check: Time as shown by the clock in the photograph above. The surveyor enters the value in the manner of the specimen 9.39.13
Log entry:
4.04.47
